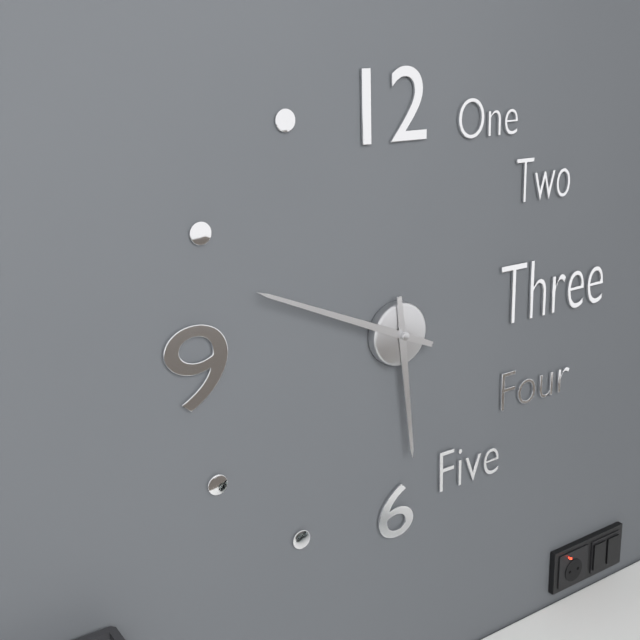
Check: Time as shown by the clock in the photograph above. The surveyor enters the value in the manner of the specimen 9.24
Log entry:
5.49
